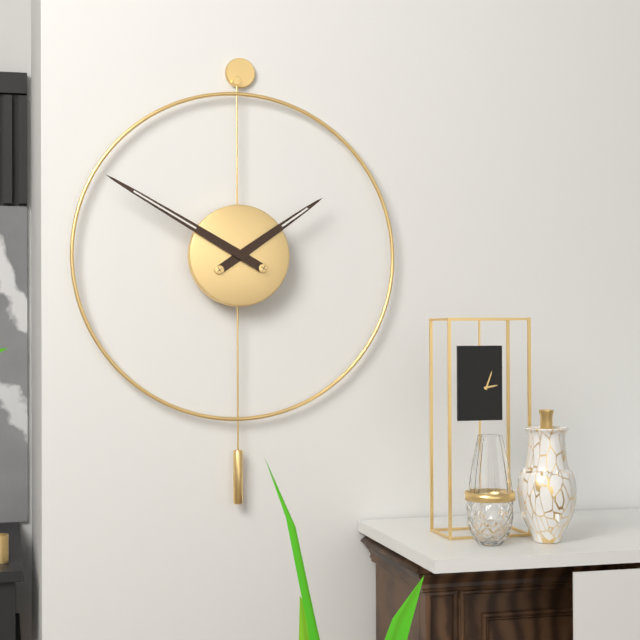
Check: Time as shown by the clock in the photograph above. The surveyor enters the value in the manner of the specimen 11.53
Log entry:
1.50
